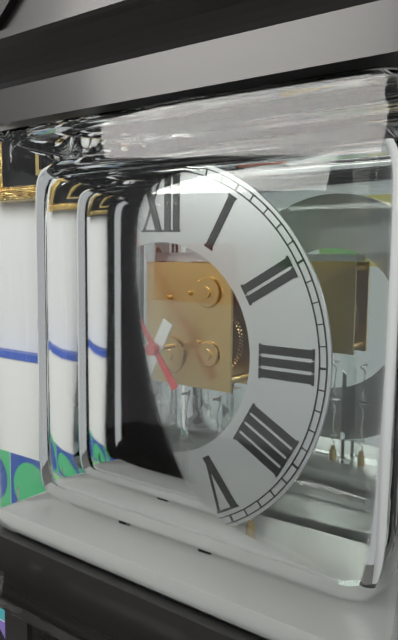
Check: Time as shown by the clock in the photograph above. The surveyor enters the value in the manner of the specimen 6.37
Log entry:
6.54
